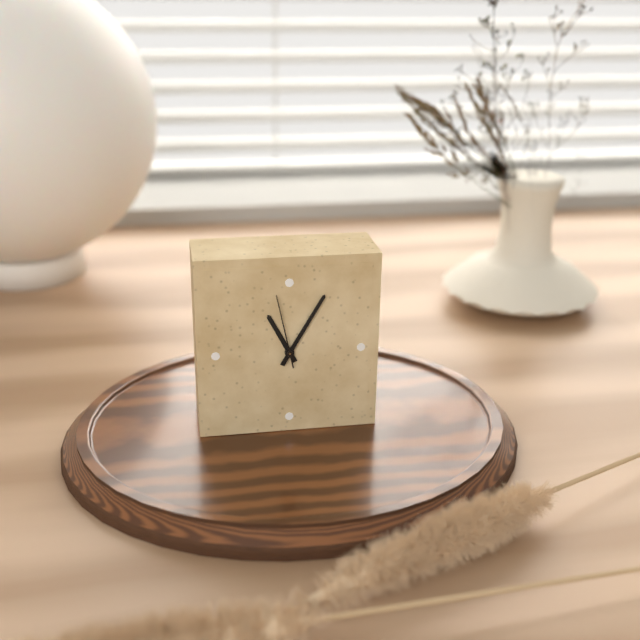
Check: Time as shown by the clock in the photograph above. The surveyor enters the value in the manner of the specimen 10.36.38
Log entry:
11.05.58
